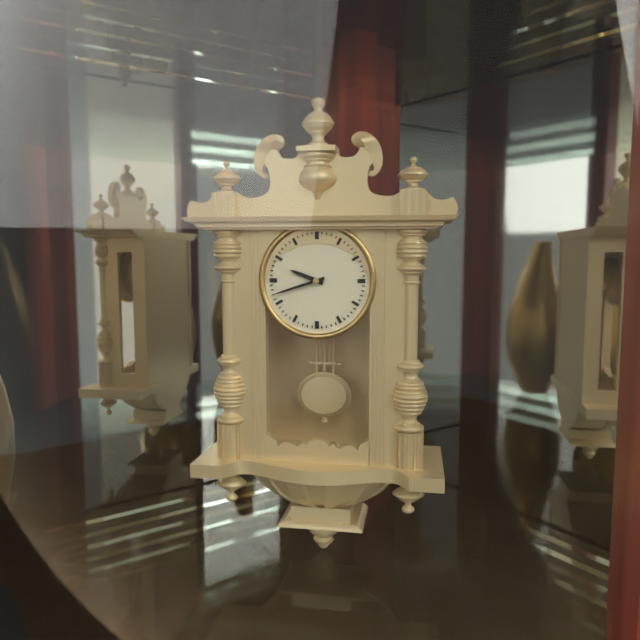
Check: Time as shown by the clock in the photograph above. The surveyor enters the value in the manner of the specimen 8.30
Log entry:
9.42
